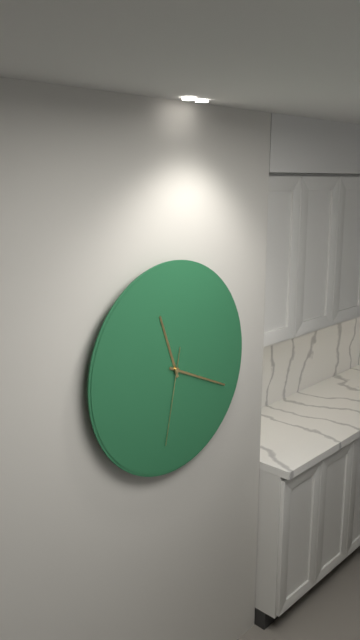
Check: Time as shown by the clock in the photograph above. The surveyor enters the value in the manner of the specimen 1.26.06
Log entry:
11.19.32
